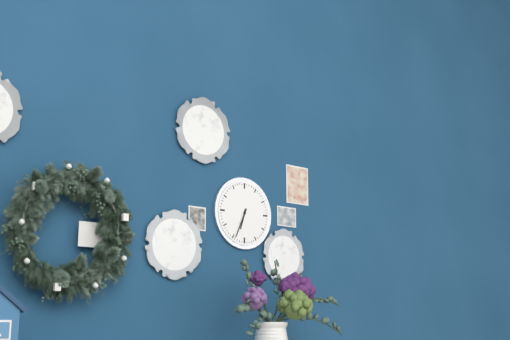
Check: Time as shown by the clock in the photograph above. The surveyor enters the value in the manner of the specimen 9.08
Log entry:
6.34
